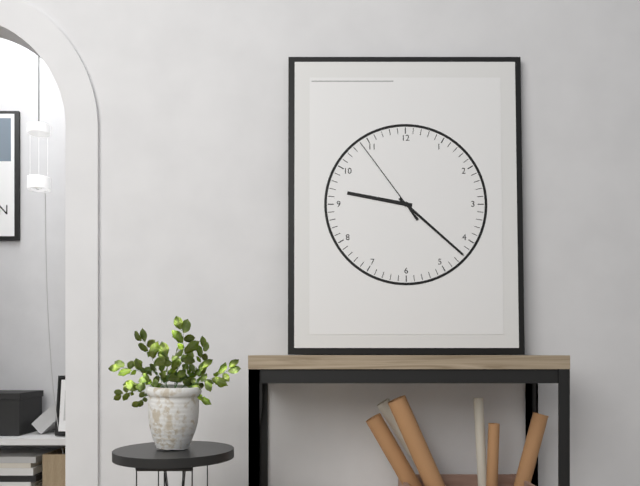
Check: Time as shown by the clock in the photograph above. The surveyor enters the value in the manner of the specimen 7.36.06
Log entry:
9.22.54
